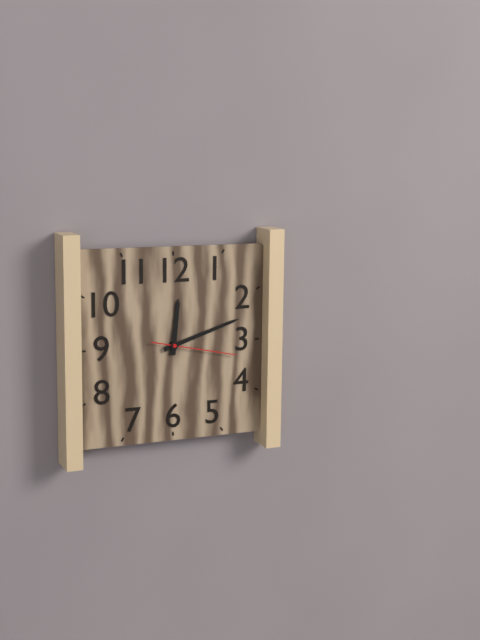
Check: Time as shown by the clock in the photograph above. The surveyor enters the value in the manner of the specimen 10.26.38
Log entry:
12.12.17
